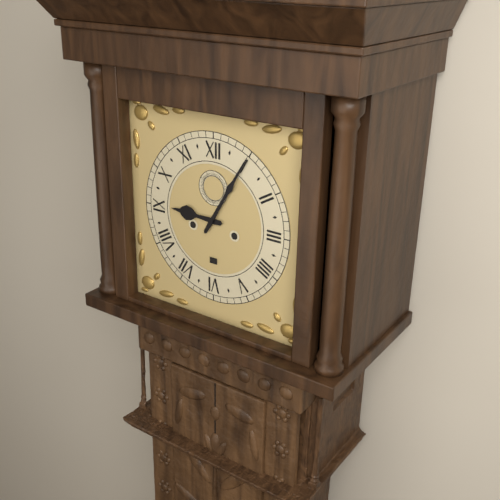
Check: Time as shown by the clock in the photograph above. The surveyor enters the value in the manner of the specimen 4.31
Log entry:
9.05
